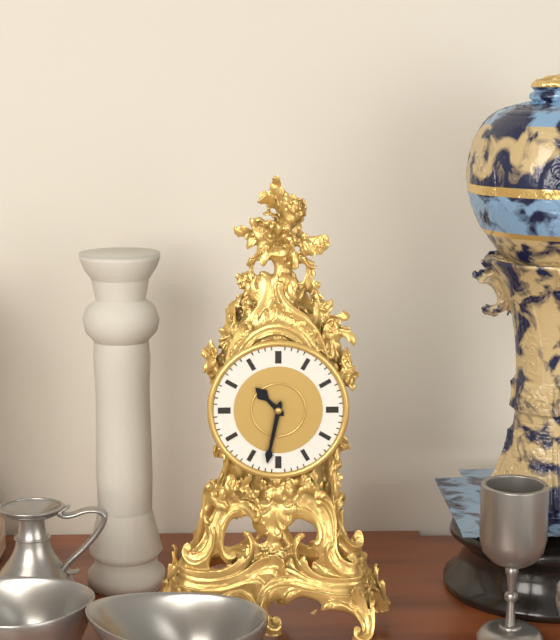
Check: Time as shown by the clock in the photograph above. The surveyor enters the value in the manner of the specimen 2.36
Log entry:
10.32
